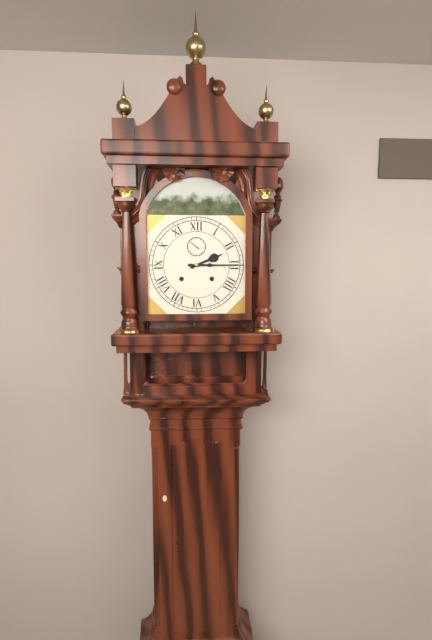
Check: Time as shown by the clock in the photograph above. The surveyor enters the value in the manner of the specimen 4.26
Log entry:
2.15
